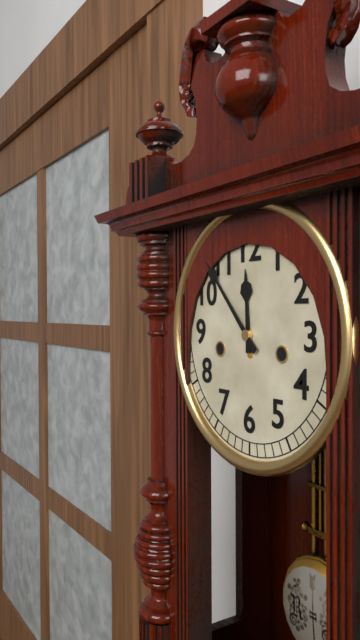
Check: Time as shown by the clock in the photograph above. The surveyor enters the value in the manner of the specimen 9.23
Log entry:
11.53
